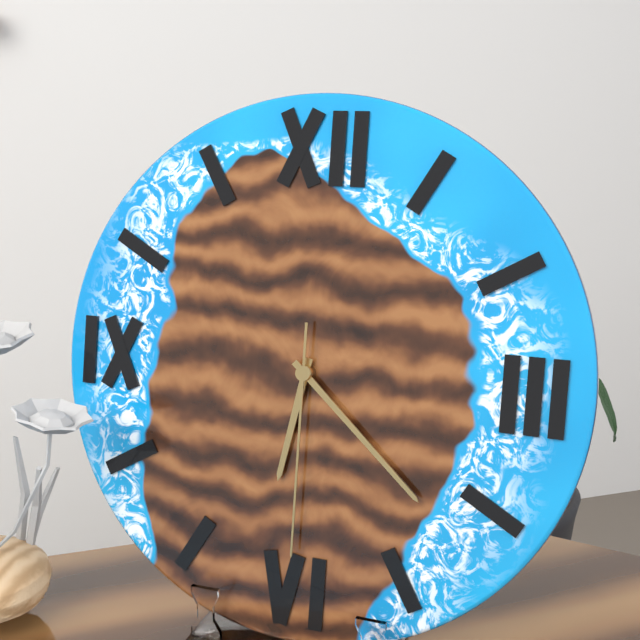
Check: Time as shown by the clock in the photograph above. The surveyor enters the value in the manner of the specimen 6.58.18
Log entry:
6.22.30
